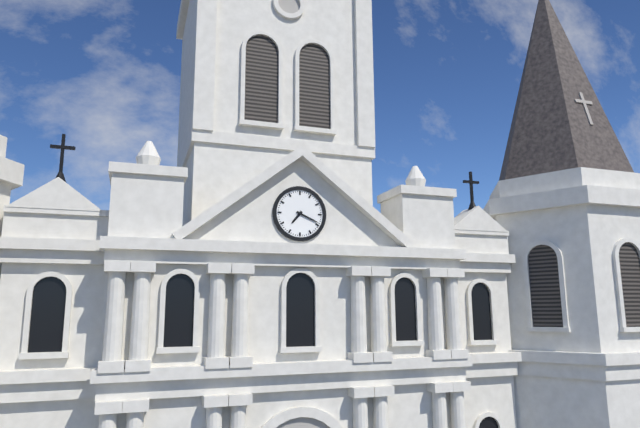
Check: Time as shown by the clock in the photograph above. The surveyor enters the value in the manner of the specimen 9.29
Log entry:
7.19
